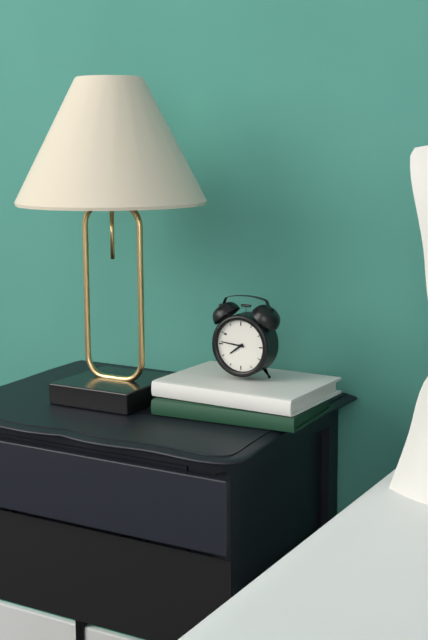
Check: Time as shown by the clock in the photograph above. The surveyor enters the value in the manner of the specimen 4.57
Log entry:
7.46
